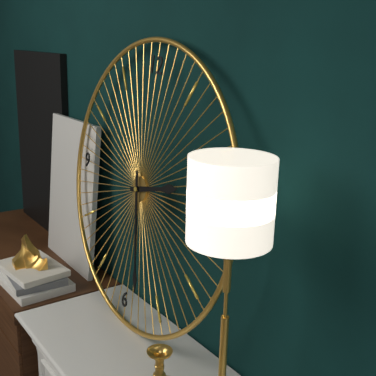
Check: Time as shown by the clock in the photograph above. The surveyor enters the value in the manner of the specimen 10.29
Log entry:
2.28
